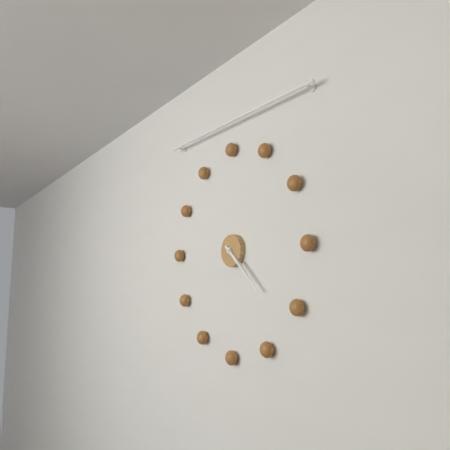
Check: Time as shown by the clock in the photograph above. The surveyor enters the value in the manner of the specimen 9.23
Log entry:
4.22
